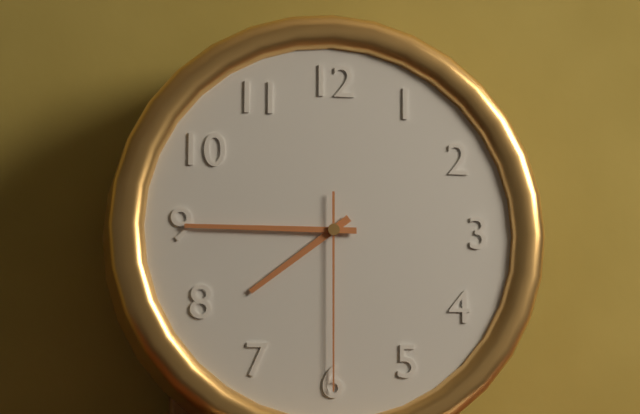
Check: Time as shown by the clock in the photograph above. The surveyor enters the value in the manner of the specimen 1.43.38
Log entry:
7.45.30
